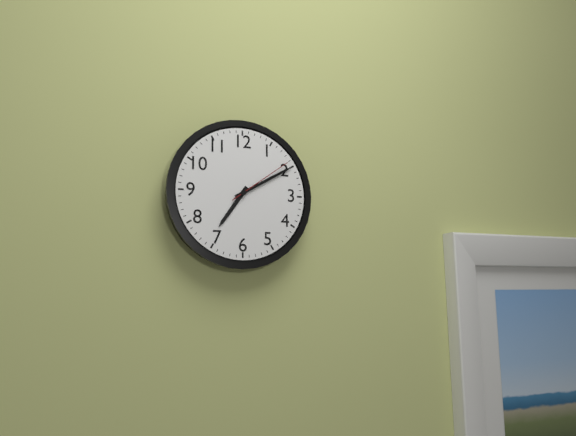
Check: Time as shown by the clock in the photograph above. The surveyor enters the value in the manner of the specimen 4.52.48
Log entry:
7.10.09
